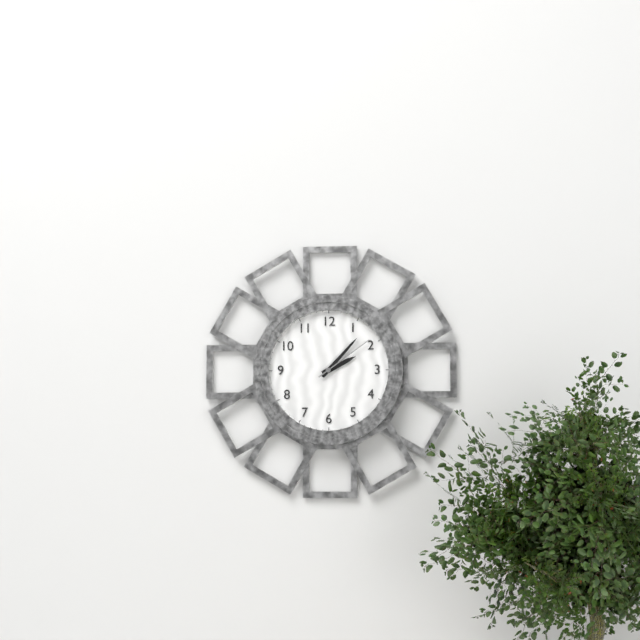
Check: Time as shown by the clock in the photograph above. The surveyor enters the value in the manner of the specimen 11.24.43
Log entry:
2.07.09
